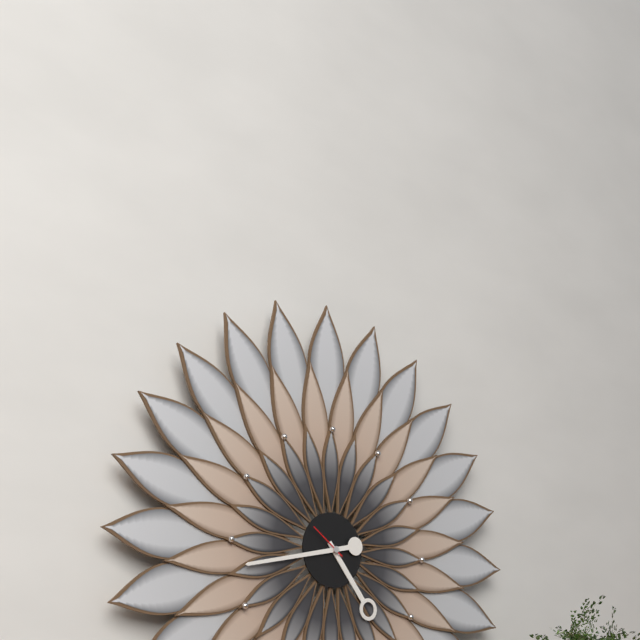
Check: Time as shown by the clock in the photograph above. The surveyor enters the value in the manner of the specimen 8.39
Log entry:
4.43
